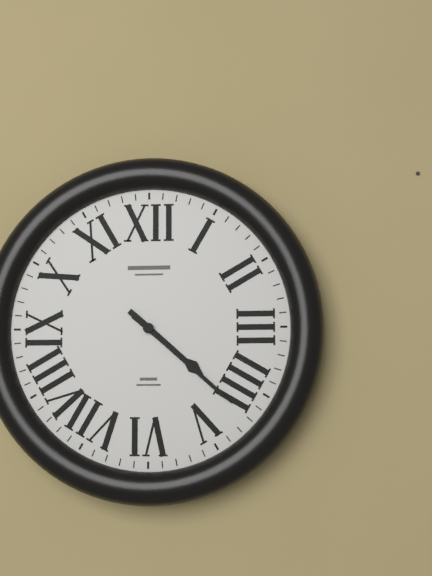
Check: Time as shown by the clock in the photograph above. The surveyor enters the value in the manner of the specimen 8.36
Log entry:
4.22
